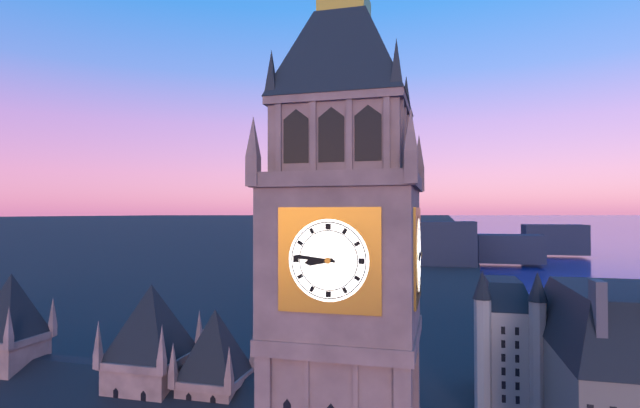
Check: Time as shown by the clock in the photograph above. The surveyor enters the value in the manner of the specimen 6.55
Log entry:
8.46
